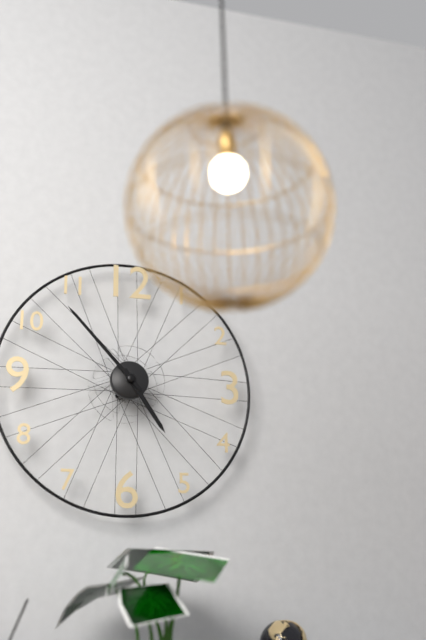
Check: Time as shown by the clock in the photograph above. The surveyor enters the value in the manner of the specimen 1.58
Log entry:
4.53
